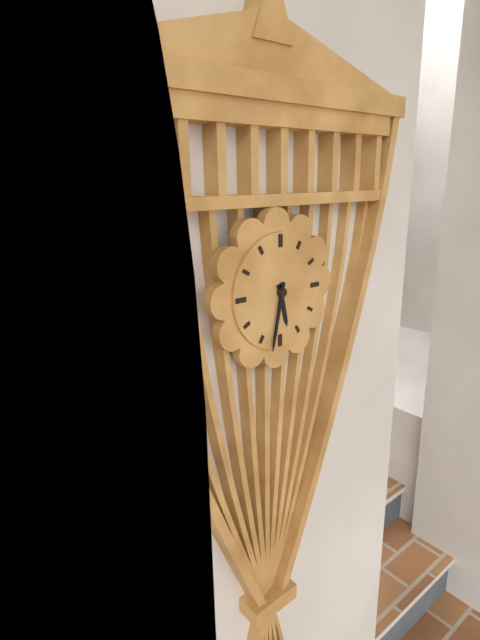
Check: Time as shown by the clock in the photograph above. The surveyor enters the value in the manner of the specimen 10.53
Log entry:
5.32
